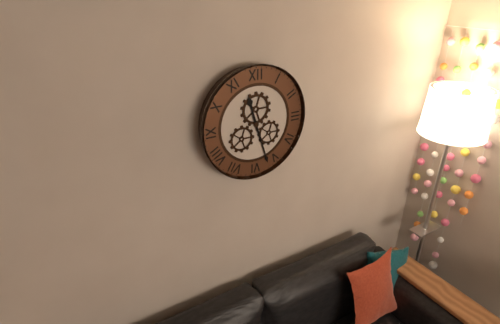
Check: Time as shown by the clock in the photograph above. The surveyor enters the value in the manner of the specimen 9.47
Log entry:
11.27
